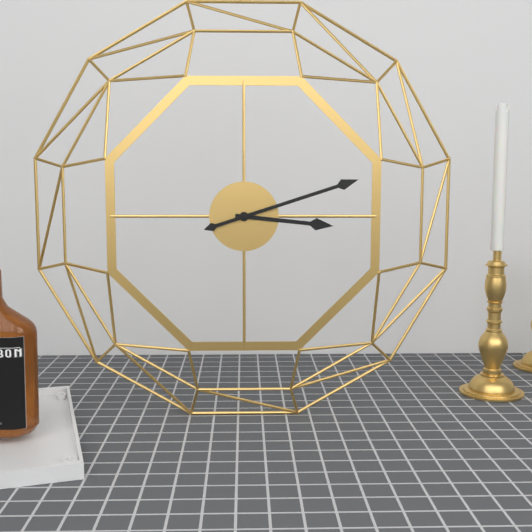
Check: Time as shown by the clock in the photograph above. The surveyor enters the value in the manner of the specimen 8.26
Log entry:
3.12
